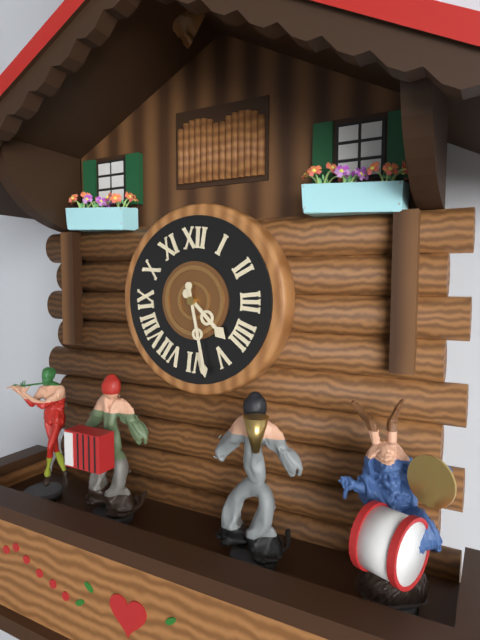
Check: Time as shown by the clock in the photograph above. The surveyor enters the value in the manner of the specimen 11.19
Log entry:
4.28
